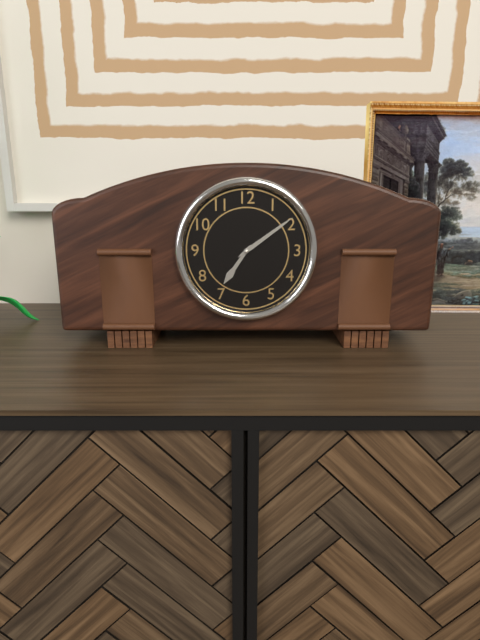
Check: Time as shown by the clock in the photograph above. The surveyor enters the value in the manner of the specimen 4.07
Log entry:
7.09
